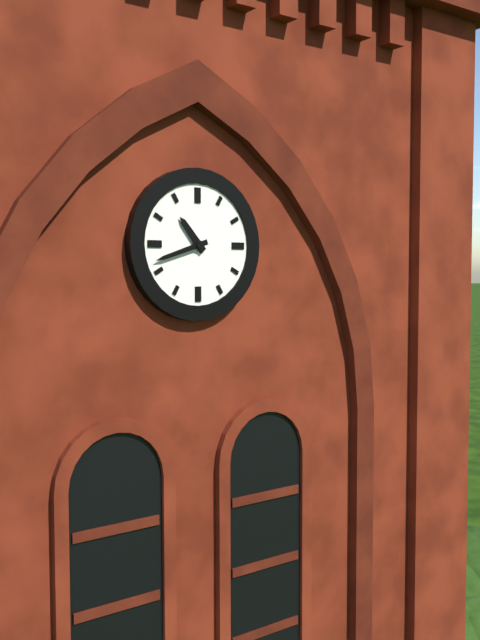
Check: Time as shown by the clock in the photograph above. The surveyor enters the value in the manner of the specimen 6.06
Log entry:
10.42
